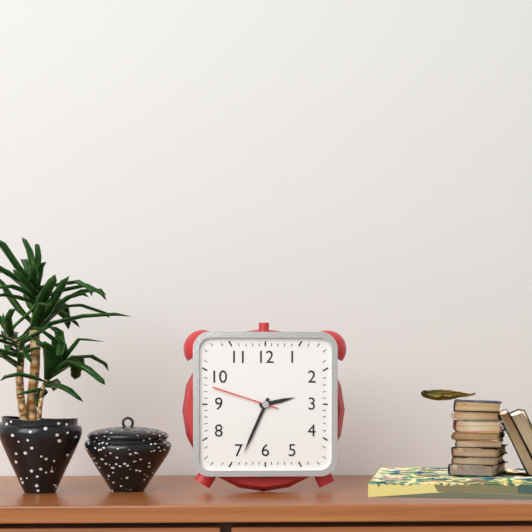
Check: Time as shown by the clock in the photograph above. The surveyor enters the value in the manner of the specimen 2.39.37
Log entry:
2.34.48
